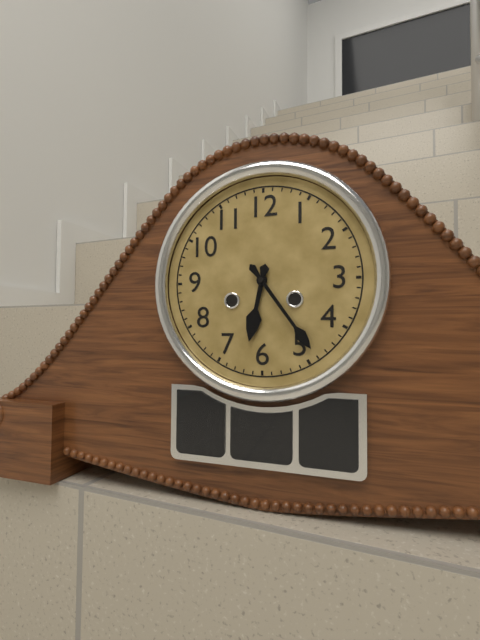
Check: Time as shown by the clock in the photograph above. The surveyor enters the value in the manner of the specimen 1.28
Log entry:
6.24
